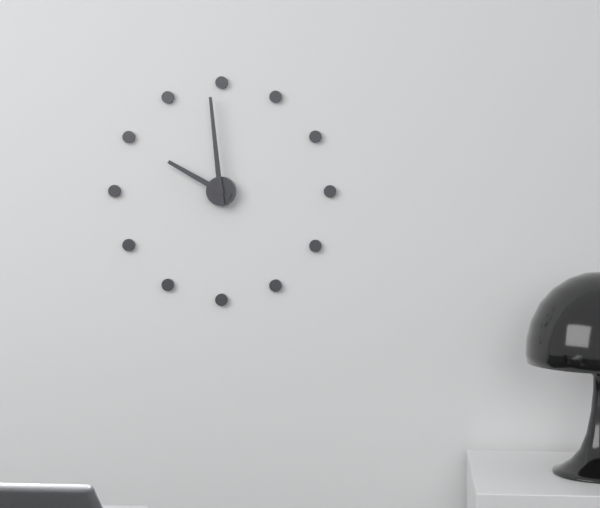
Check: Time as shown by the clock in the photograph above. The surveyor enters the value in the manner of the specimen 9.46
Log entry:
9.59
